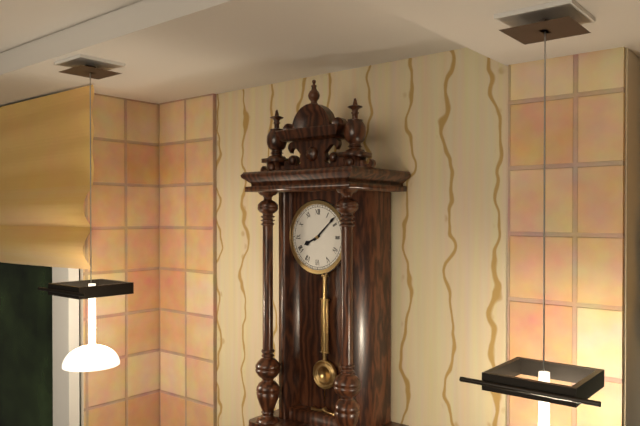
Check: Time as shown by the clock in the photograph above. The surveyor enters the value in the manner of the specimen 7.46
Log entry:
8.08
